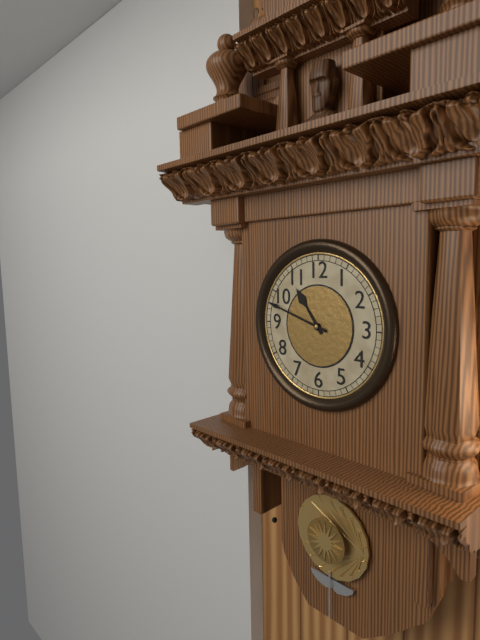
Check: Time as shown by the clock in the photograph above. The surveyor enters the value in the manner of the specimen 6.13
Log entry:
10.48
